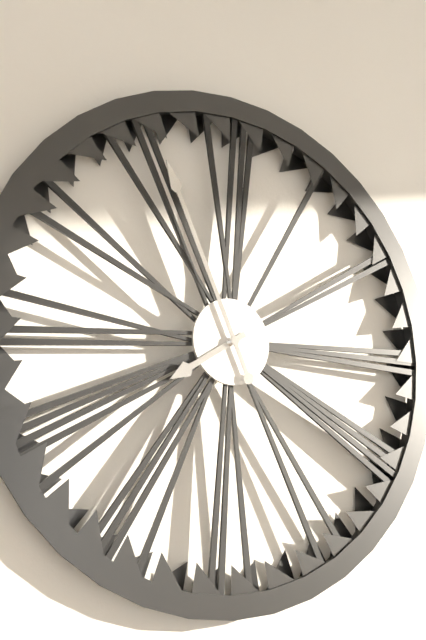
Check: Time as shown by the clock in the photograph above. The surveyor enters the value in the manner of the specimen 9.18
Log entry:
7.56
